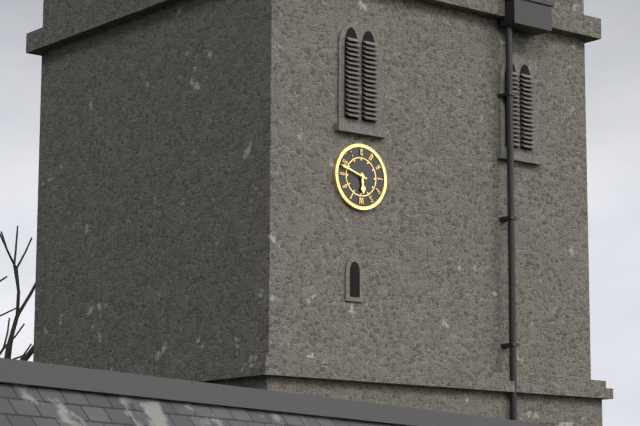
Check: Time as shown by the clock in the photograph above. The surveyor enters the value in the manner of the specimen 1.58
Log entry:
5.48
